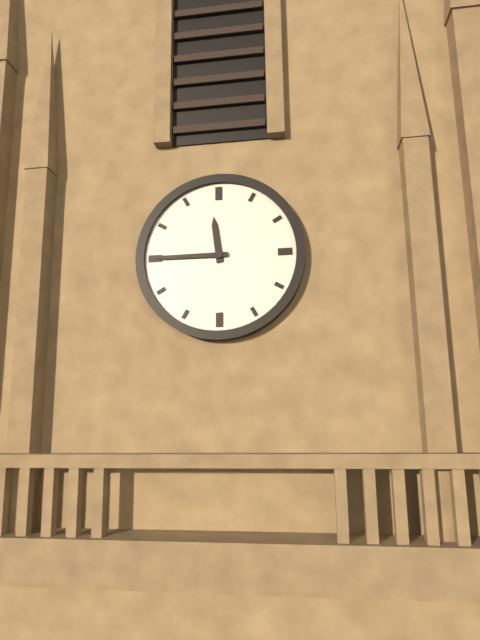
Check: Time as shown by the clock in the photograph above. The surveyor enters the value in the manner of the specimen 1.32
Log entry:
11.45
